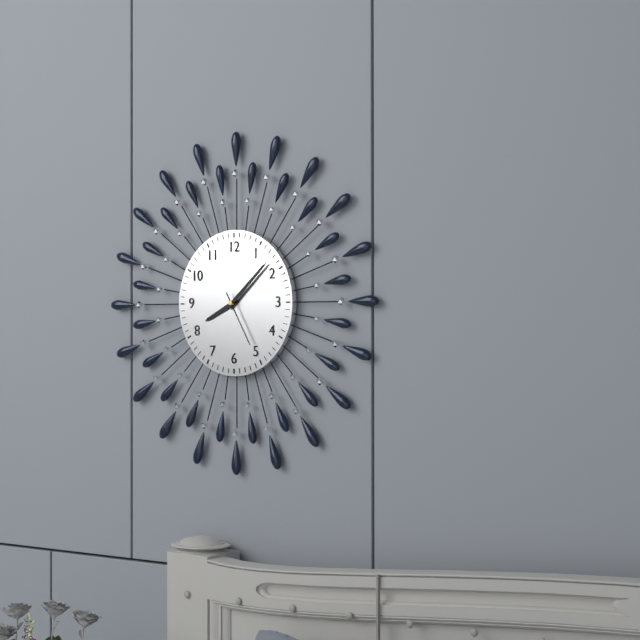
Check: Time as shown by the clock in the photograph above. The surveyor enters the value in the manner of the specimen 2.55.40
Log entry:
8.08.25
